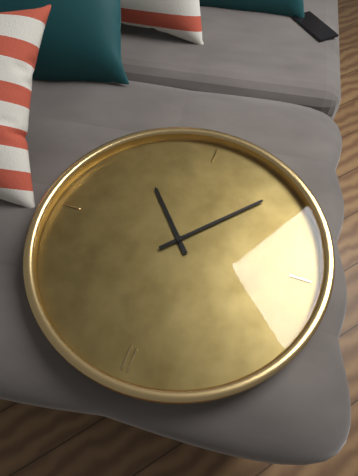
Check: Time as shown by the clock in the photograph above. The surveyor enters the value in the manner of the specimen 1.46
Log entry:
4.37
